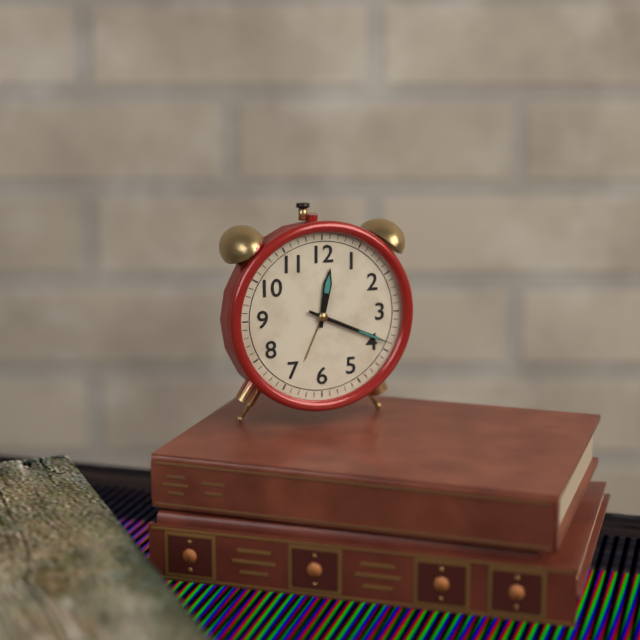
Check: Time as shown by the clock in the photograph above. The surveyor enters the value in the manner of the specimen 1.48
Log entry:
12.19
